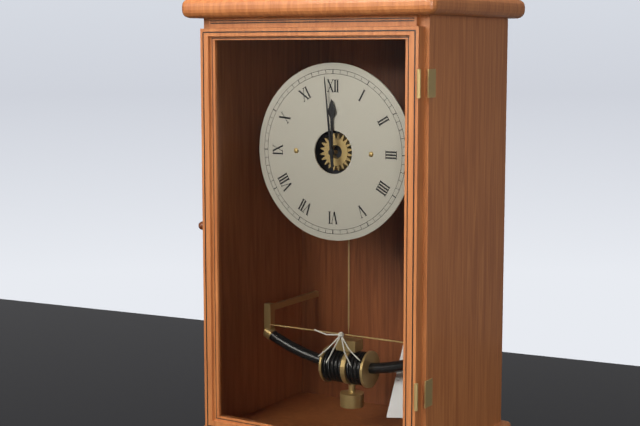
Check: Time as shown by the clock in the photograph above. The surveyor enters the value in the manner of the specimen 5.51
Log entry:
11.59
